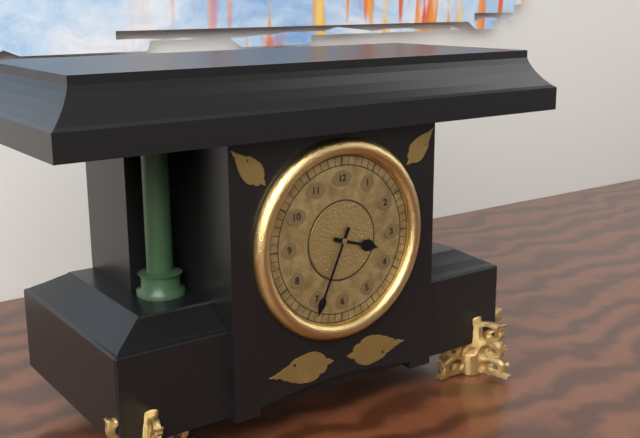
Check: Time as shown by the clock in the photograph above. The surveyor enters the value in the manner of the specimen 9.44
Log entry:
3.34
